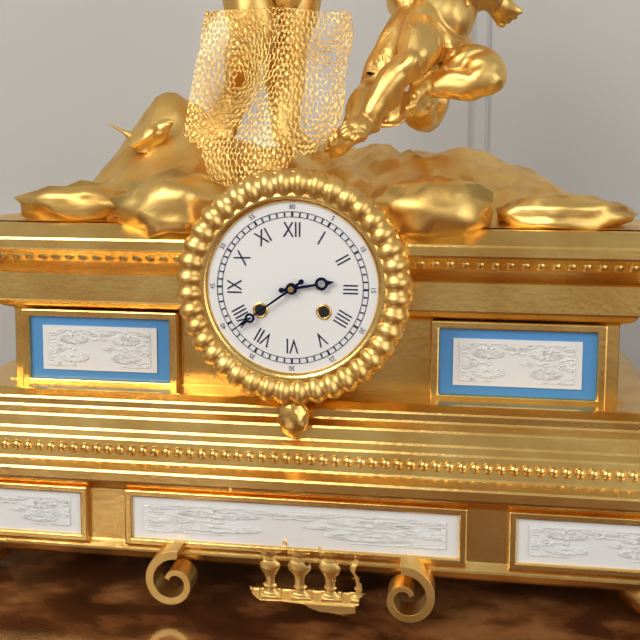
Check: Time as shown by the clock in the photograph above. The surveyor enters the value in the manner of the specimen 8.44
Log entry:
2.39
